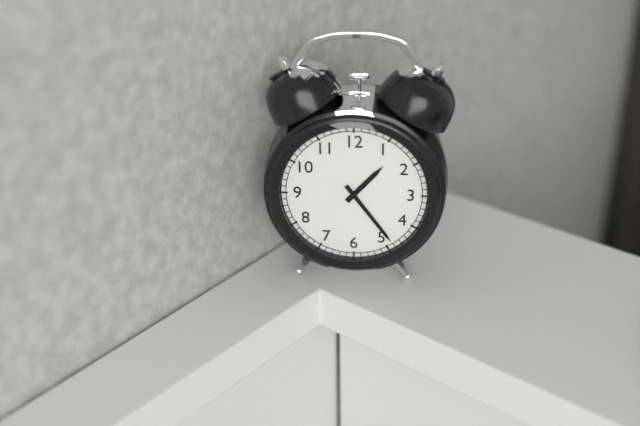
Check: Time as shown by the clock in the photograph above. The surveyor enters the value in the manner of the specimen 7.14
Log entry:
1.24
